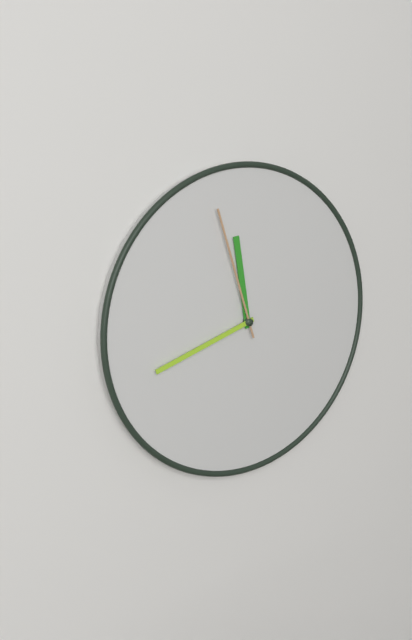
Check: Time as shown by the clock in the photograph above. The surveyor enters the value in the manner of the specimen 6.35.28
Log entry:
11.42.57
